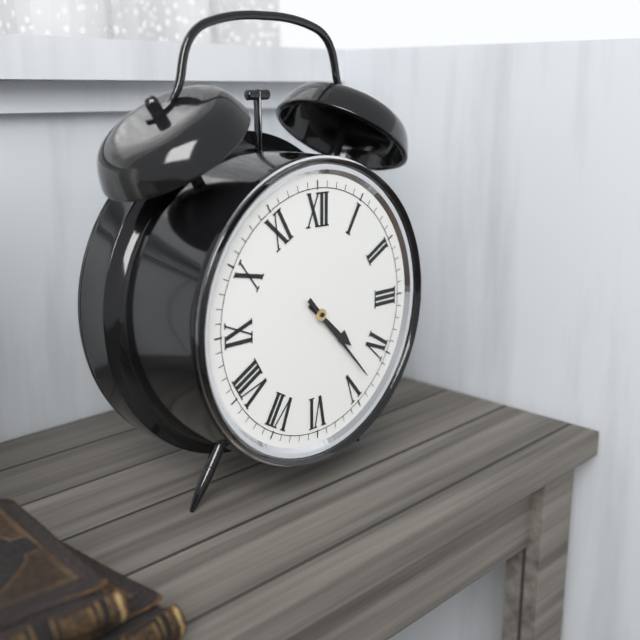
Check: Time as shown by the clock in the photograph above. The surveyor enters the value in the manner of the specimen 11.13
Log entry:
4.23
